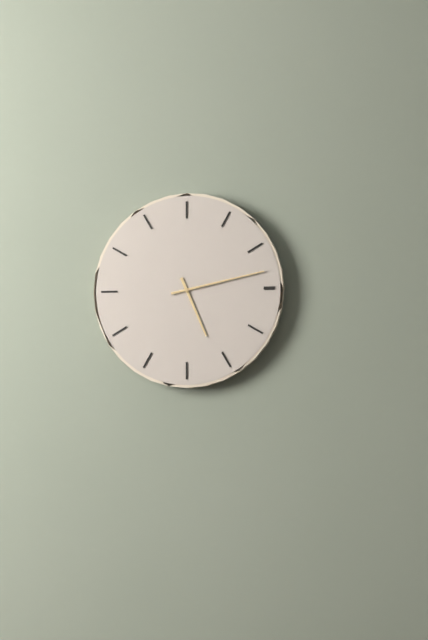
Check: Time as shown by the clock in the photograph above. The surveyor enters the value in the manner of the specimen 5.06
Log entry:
5.13
